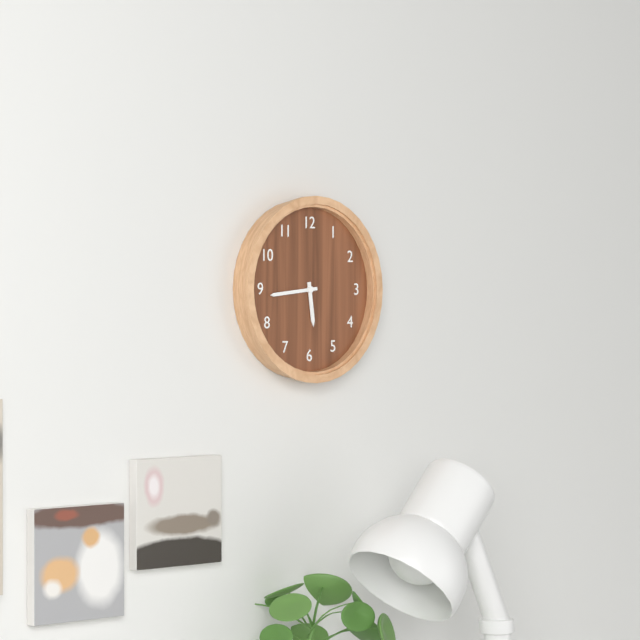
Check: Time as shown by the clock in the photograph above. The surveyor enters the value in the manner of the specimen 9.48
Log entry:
5.44
